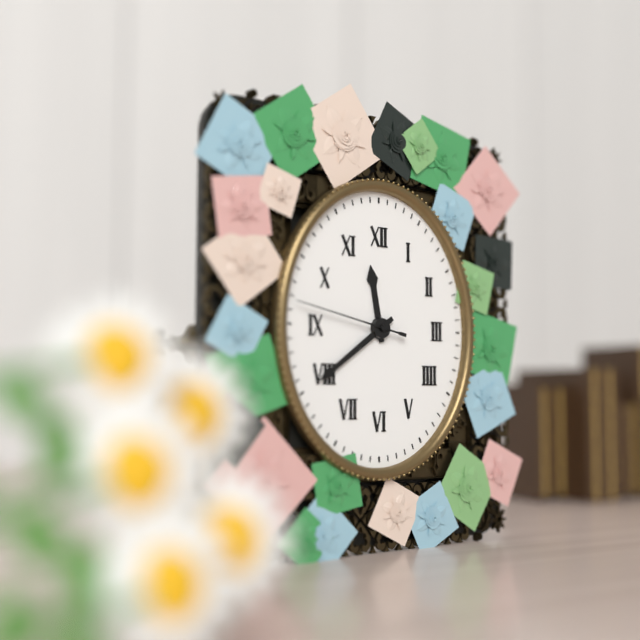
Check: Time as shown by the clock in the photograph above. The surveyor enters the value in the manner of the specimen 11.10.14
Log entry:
11.39.47
